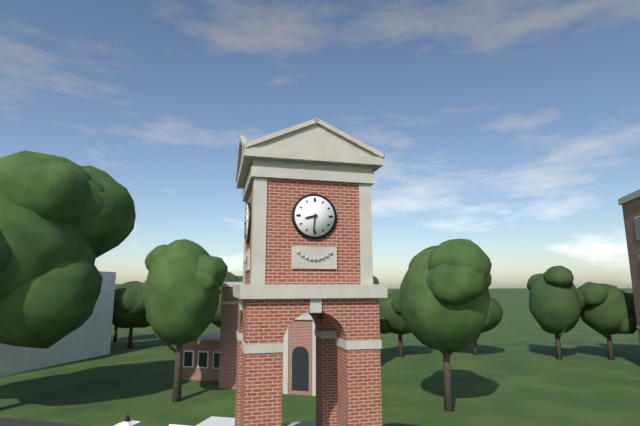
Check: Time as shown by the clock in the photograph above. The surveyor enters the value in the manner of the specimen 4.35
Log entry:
8.31
